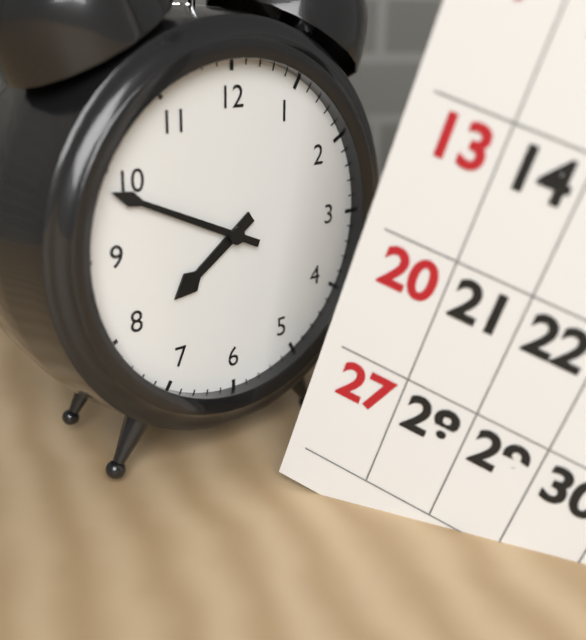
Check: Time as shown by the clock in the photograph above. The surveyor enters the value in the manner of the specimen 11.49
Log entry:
7.49
